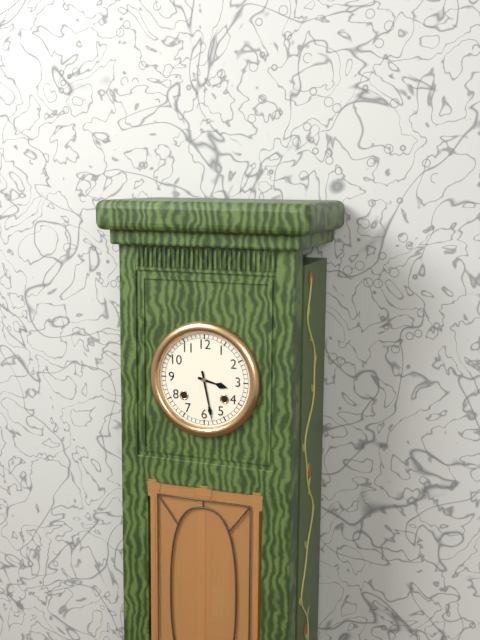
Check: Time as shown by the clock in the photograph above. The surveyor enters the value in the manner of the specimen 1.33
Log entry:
3.28
